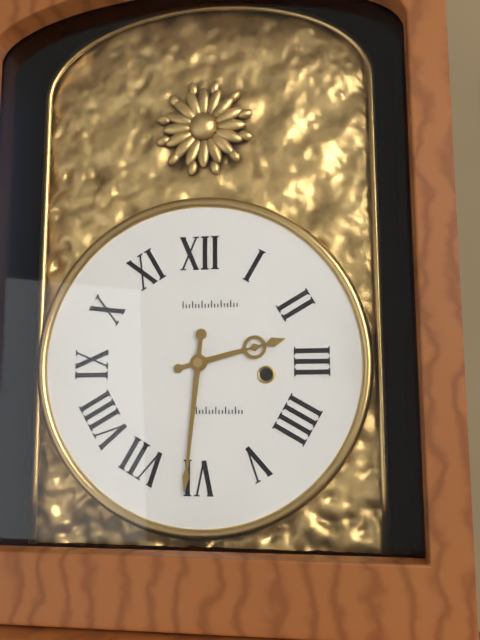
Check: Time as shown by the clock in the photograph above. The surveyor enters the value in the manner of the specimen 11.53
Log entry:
2.31
